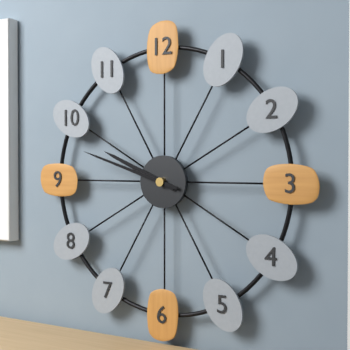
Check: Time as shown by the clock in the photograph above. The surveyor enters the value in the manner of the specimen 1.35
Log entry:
9.48
